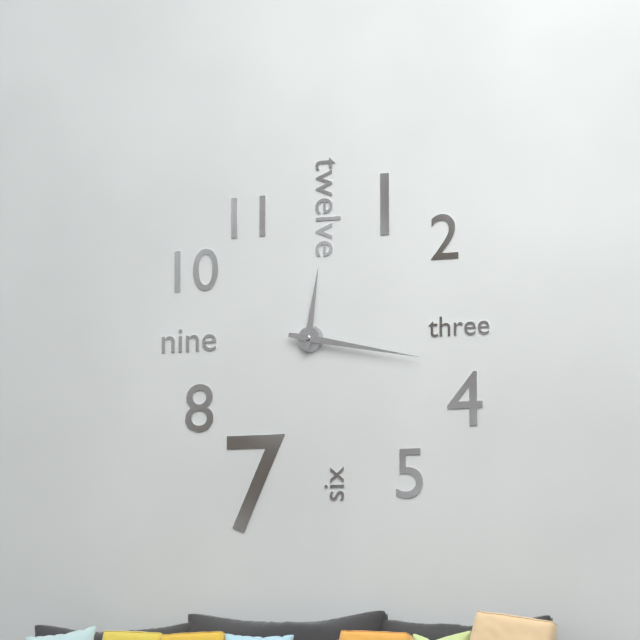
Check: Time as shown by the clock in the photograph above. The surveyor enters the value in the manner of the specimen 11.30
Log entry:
12.17
